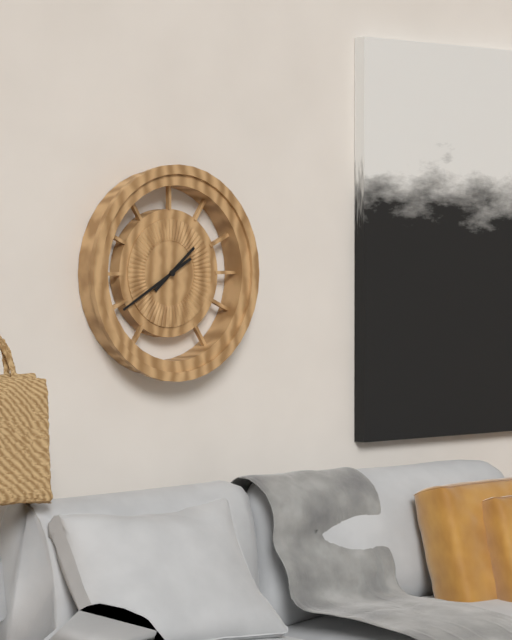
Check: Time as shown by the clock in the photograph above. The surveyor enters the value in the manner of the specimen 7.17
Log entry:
1.40
